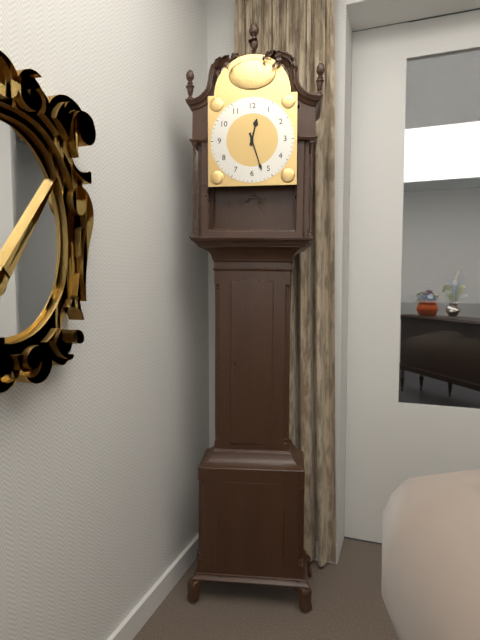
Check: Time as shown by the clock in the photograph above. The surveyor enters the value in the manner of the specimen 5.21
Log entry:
12.27
